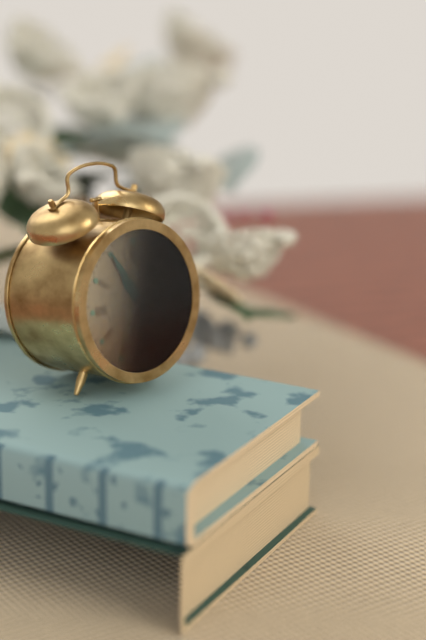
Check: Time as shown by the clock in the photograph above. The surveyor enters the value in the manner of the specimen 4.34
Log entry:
10.55
